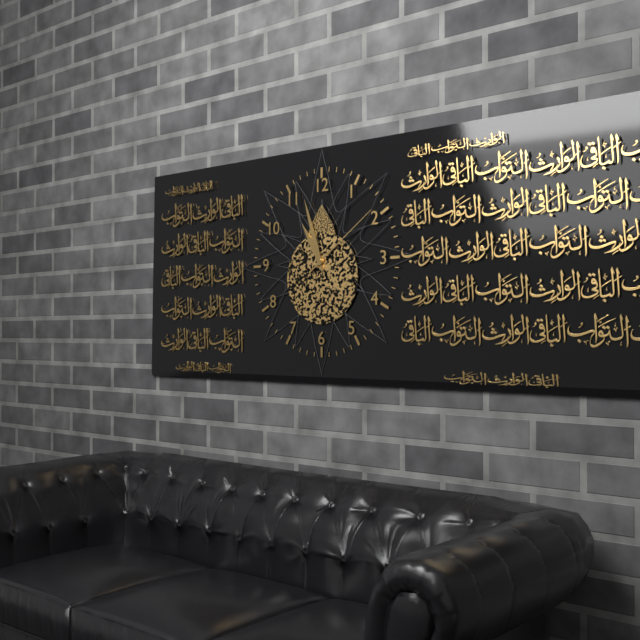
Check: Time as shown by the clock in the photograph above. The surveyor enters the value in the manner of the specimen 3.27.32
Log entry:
10.57.09
